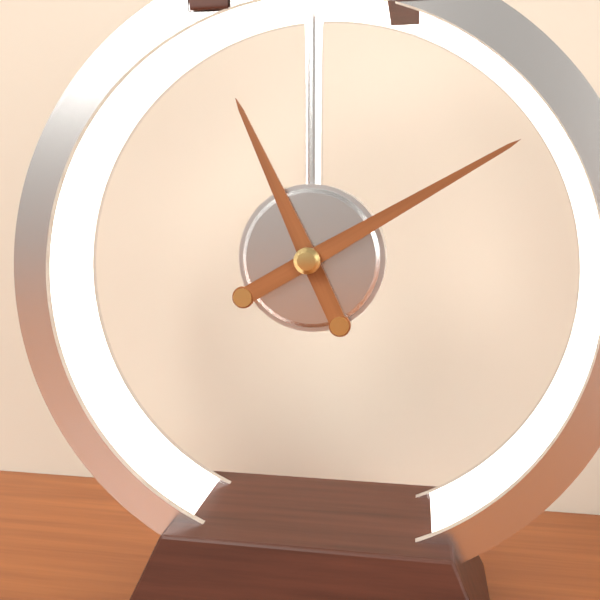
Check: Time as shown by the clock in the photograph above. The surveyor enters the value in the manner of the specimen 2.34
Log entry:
11.10
